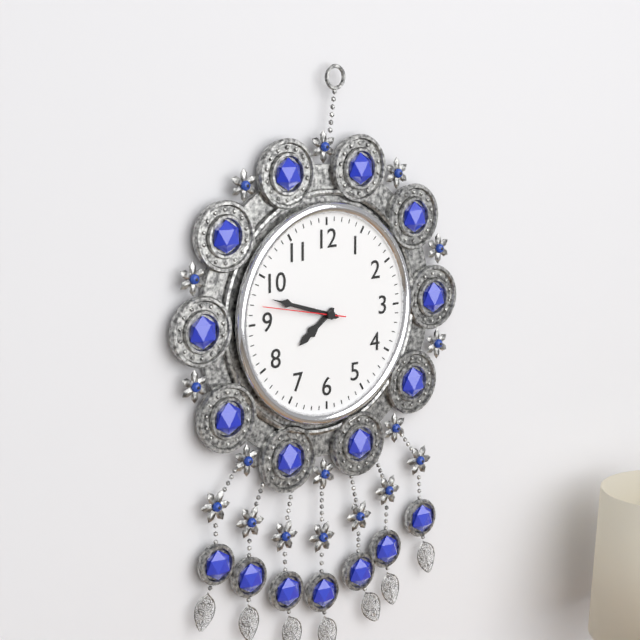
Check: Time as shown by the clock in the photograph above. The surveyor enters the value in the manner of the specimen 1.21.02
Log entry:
7.48.47
